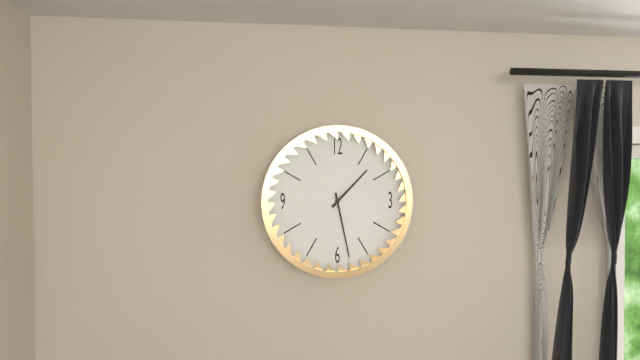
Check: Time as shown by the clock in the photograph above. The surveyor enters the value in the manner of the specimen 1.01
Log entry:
1.28
